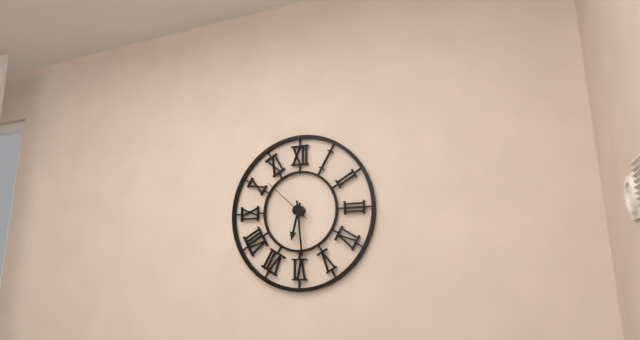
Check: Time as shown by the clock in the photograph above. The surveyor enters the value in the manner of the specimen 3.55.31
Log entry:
6.29.52
